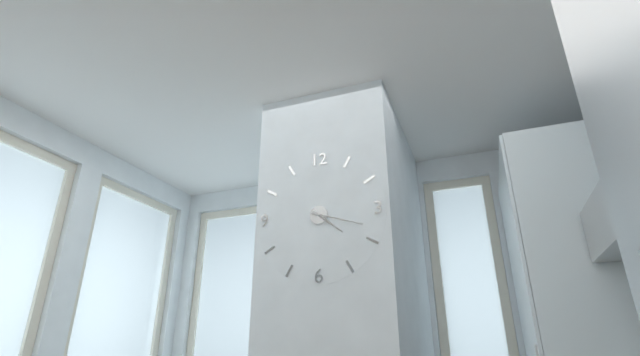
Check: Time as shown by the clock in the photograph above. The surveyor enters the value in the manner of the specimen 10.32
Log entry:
4.18
